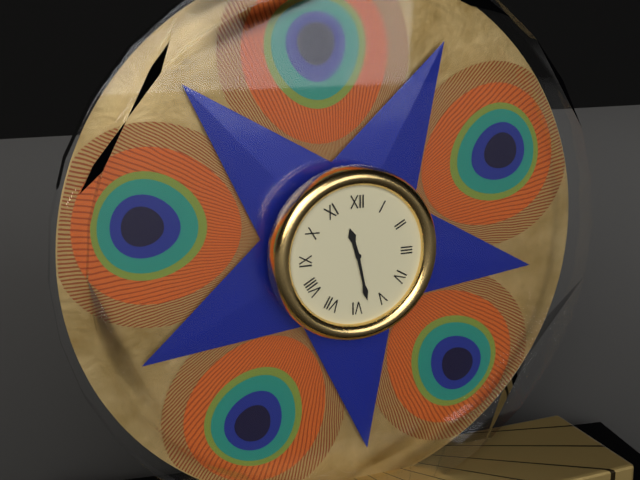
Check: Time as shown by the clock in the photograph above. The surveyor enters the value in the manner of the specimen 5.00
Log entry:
11.28
